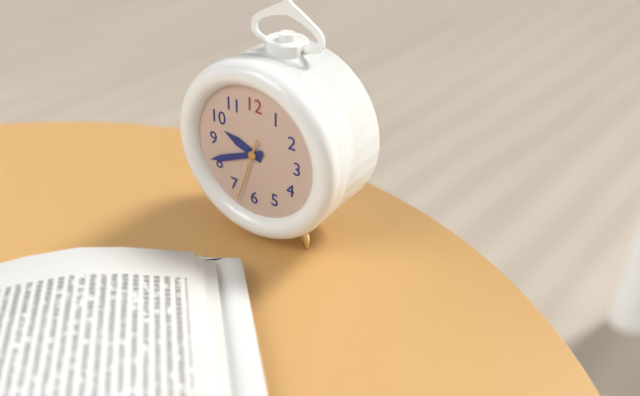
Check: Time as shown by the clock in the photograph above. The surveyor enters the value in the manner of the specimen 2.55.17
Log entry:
9.41.33
